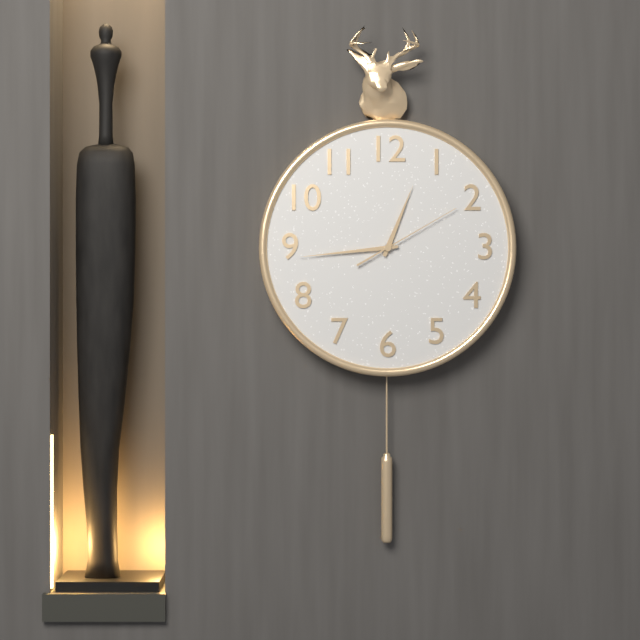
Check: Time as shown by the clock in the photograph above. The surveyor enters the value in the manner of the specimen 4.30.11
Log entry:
12.44.10
